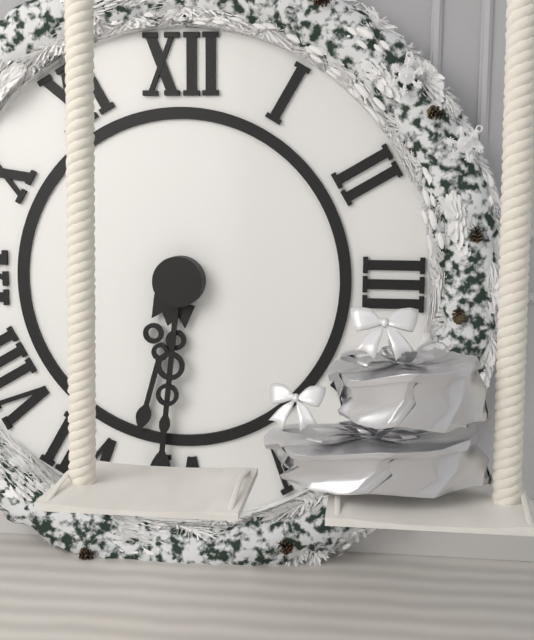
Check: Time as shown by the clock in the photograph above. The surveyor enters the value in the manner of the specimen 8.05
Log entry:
6.31
